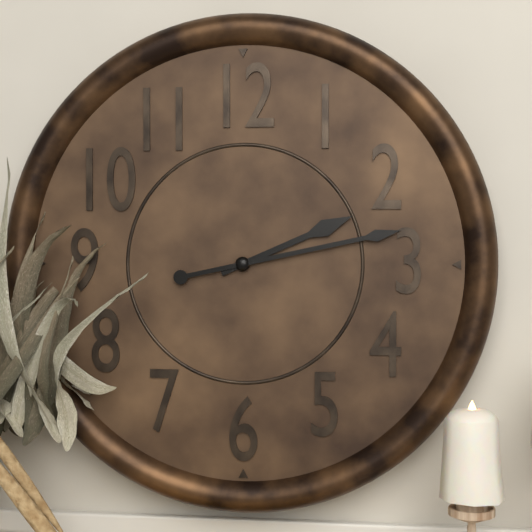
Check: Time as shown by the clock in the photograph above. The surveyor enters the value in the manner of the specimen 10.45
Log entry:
2.13
